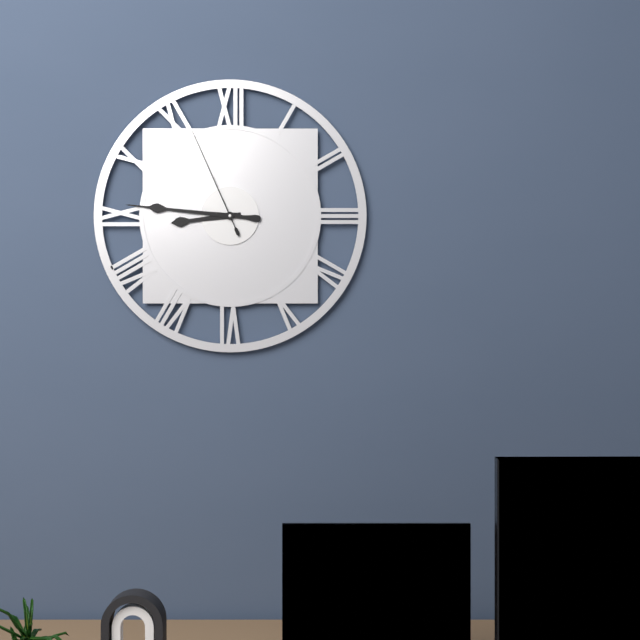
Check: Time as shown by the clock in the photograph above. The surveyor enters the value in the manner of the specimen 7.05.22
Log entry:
8.46.56
